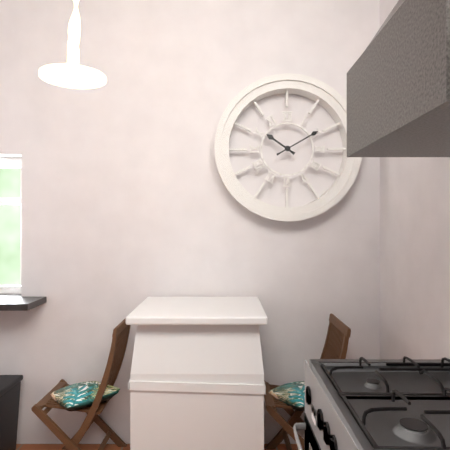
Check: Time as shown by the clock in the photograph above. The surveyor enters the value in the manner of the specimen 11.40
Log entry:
10.10
